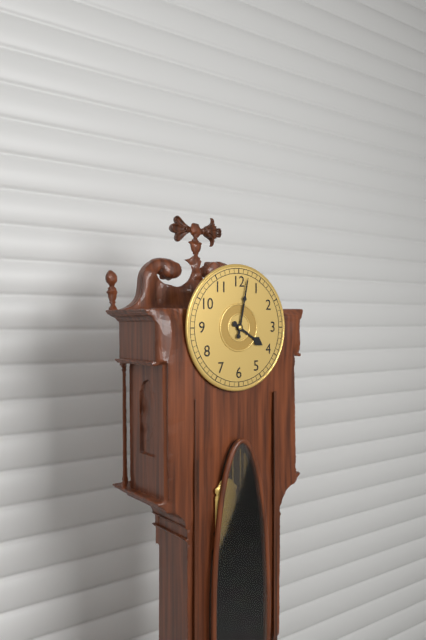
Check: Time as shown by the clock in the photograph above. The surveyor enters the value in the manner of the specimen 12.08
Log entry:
4.02
